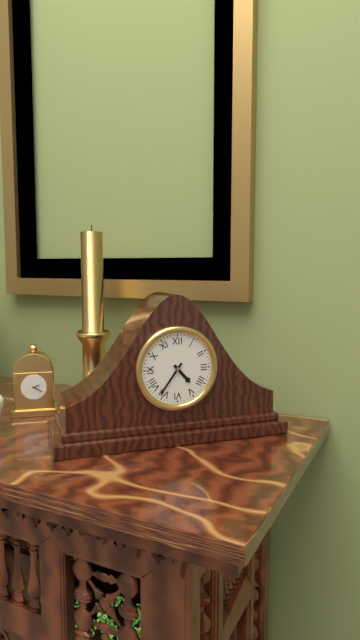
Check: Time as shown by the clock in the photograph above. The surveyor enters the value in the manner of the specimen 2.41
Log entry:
4.36
